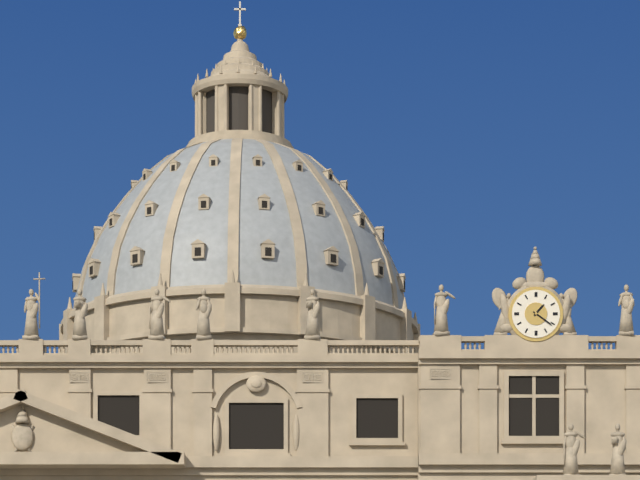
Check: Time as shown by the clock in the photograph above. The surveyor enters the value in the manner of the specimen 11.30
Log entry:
1.21
